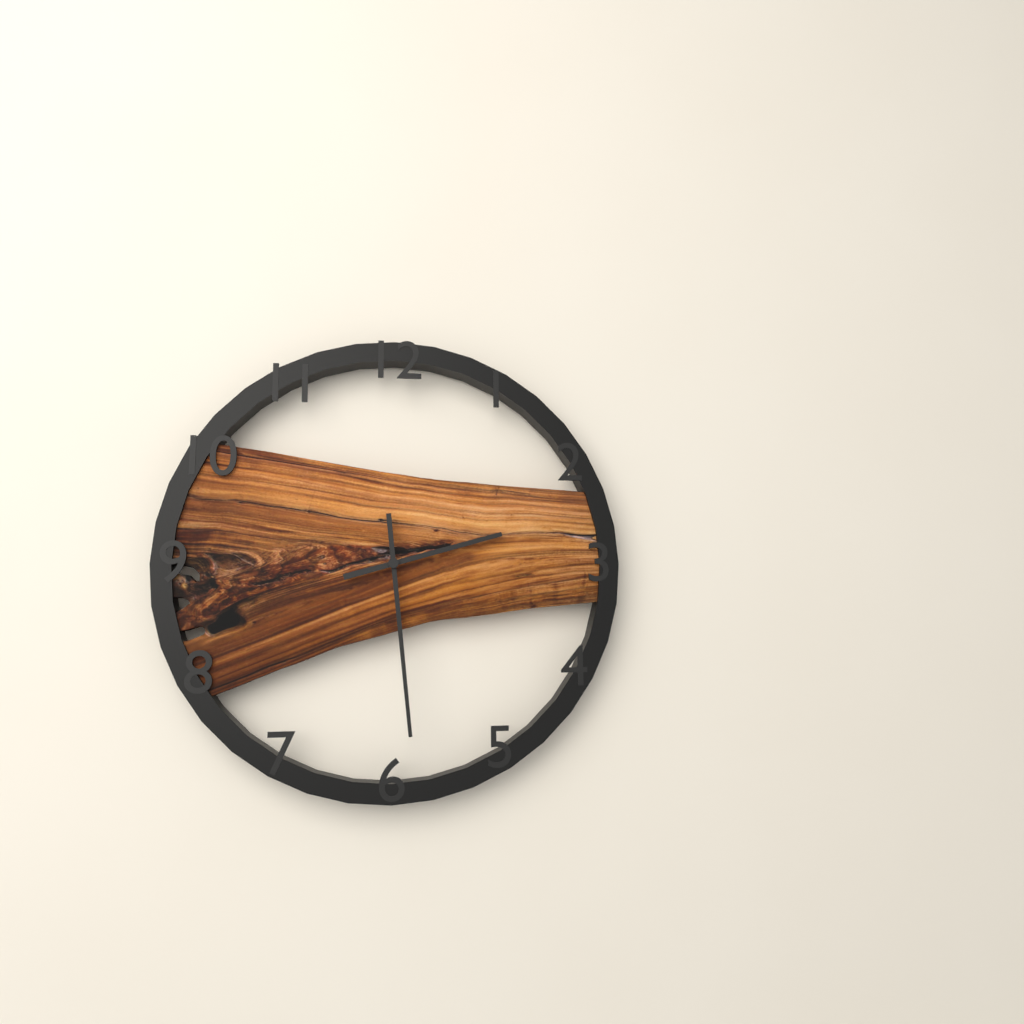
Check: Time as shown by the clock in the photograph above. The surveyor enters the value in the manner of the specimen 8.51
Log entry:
2.29
